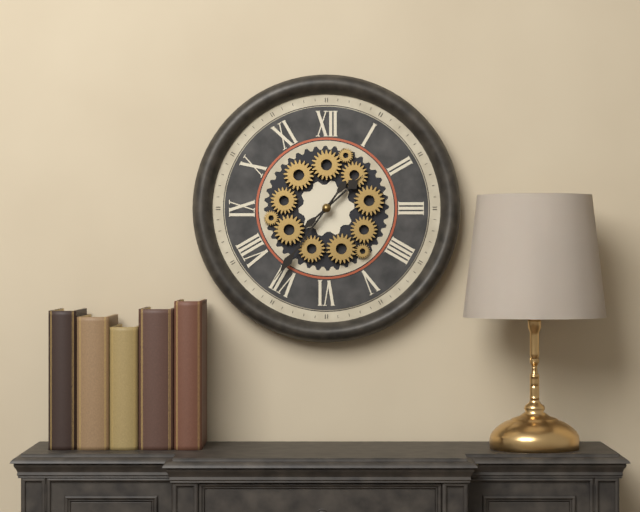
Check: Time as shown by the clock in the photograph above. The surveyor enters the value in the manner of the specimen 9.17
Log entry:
1.36
